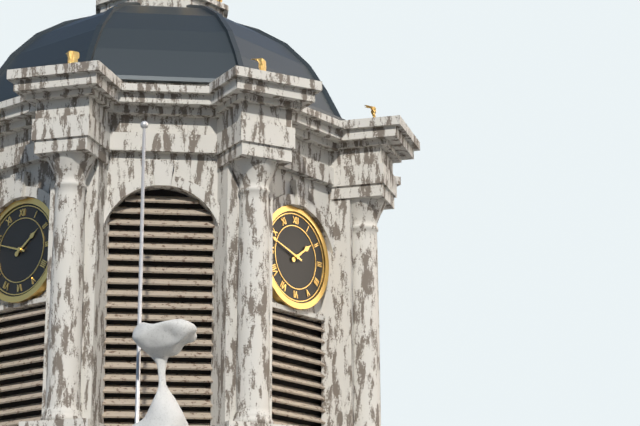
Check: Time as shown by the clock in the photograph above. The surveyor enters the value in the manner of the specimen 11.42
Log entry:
1.48
